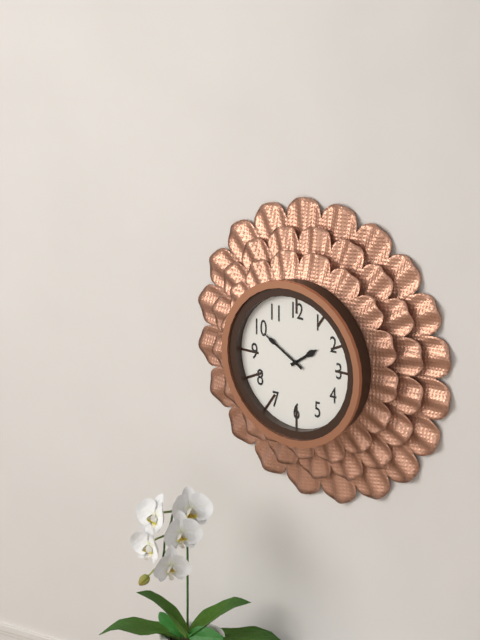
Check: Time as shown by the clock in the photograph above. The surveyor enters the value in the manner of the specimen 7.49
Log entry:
1.50
